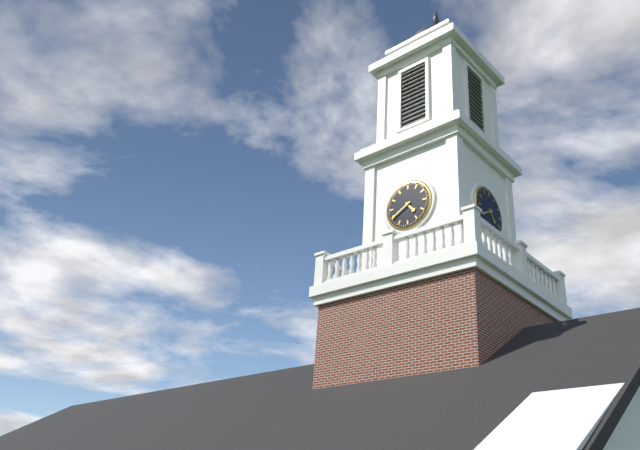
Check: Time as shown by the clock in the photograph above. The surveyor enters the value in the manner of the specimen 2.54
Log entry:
4.40
